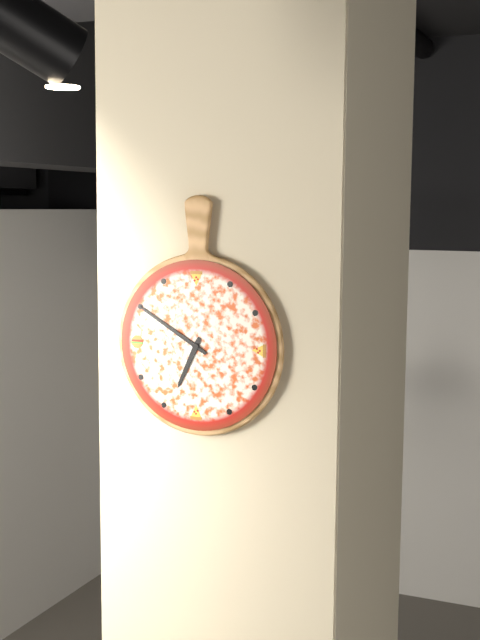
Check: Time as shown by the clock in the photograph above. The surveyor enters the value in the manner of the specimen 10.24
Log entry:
6.50
